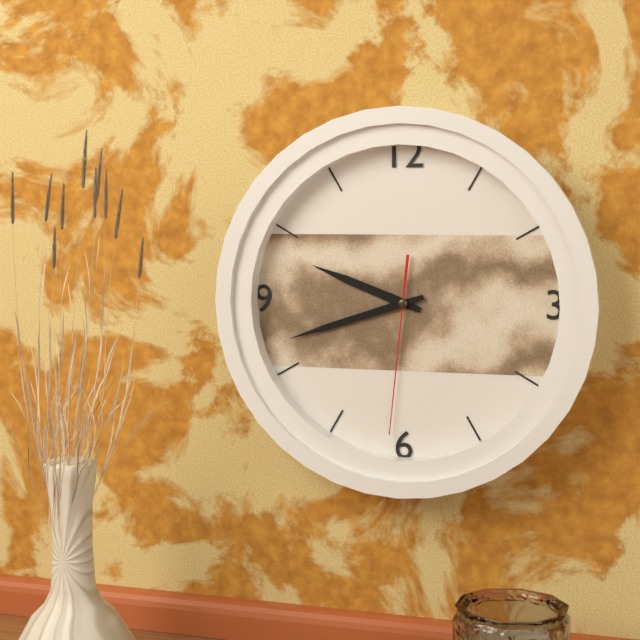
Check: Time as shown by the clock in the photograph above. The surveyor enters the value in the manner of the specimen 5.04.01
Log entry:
9.42.31
